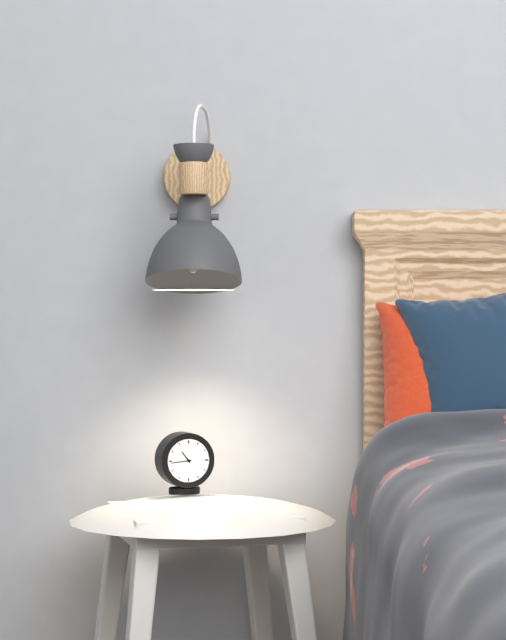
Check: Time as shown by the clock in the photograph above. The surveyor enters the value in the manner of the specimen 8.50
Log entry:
10.44
